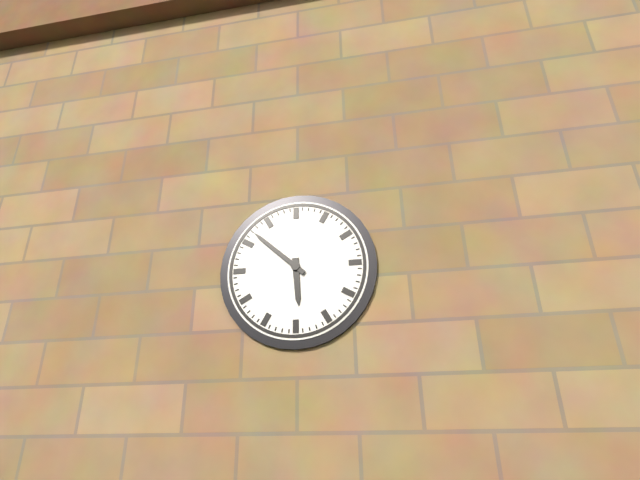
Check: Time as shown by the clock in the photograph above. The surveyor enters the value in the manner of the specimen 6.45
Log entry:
5.52
